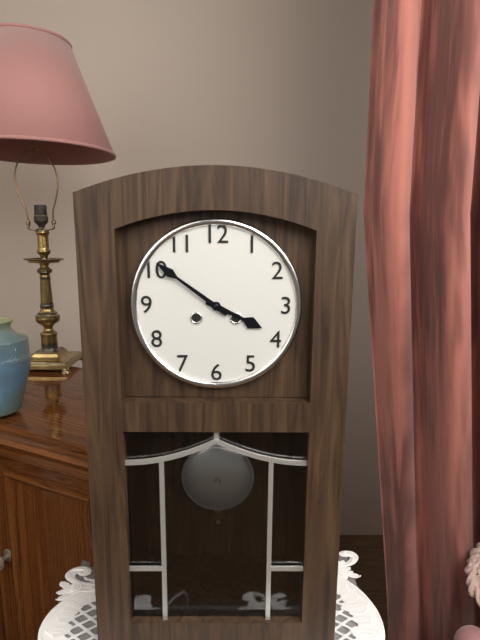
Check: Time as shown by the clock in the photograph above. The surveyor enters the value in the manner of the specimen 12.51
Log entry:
3.51
